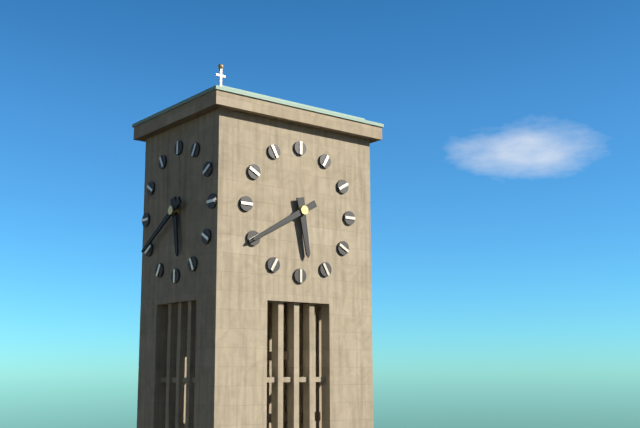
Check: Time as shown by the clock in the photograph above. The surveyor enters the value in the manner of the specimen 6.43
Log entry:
5.40
